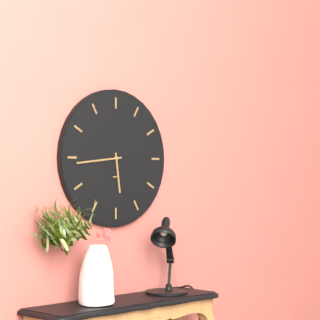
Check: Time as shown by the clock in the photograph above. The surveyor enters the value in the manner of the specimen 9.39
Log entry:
5.44
